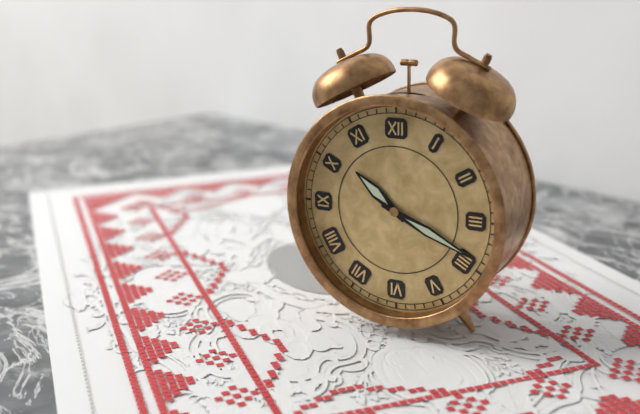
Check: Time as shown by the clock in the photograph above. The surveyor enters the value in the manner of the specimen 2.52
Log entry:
10.19
